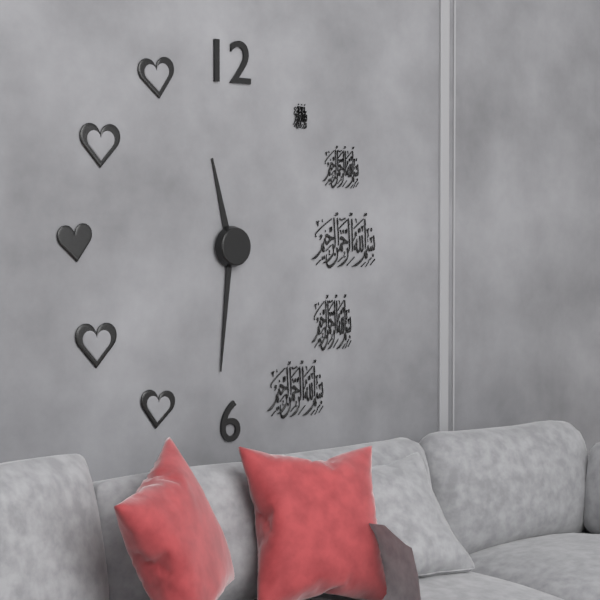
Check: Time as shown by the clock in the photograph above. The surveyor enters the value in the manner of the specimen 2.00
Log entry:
11.31
